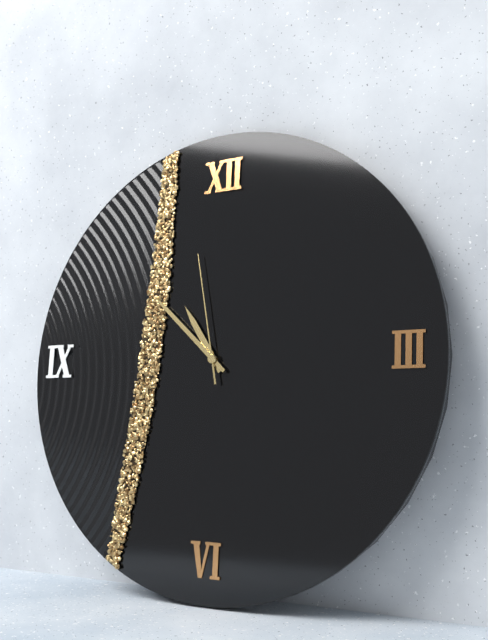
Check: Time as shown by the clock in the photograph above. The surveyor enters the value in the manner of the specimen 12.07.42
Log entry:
10.52.58
